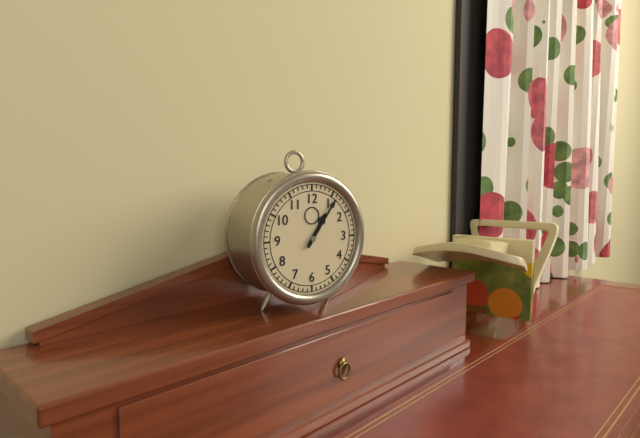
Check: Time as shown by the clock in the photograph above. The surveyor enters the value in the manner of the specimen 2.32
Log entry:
1.06
